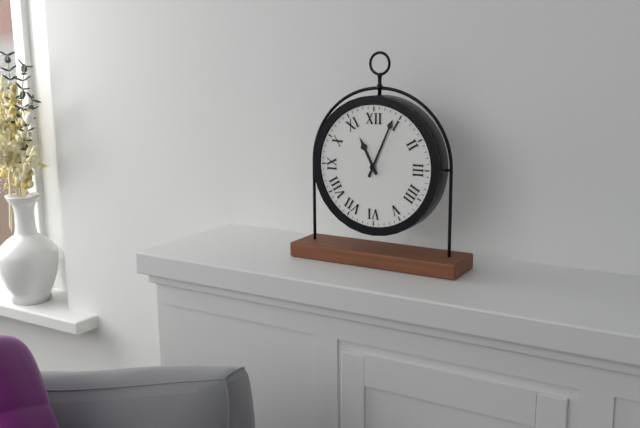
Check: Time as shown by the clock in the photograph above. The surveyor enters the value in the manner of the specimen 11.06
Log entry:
11.04
